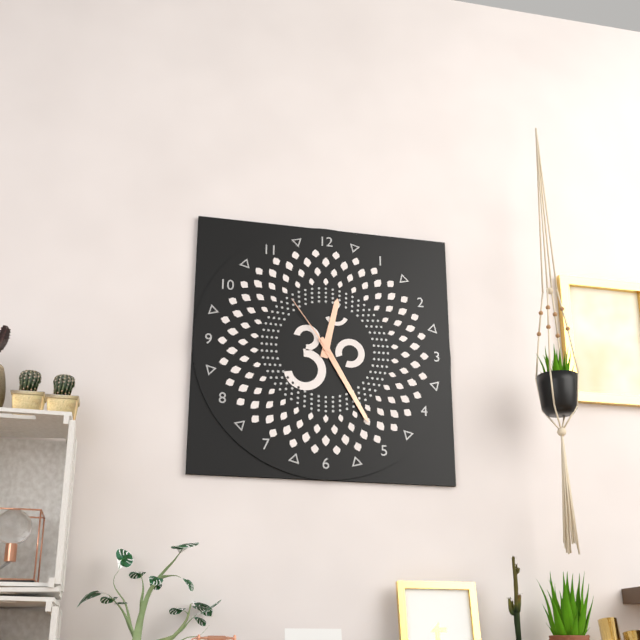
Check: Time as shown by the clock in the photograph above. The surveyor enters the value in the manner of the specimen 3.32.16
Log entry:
12.25.54
